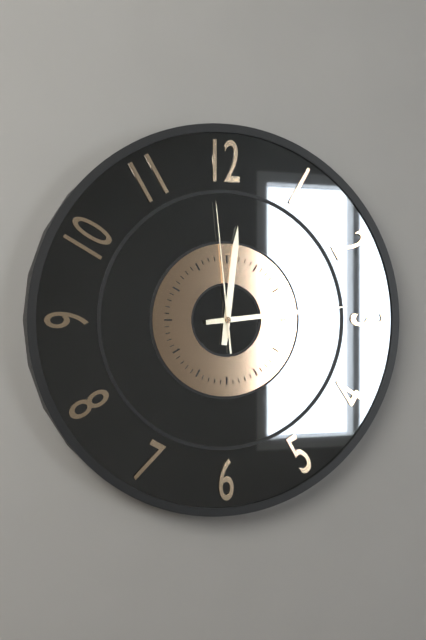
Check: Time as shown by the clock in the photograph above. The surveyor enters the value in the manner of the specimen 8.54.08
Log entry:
12.14.59
